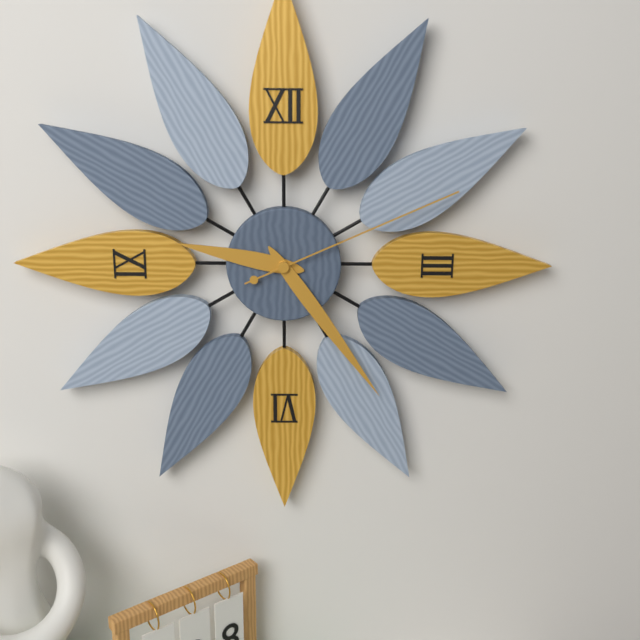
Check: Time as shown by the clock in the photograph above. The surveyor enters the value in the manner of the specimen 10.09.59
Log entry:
9.24.11
